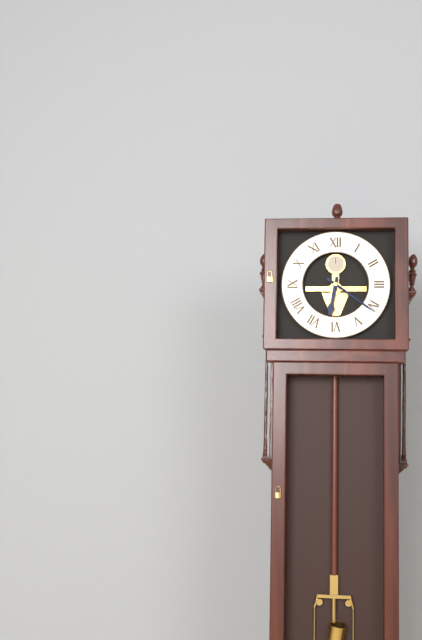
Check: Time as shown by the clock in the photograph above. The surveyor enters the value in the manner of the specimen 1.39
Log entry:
6.21
